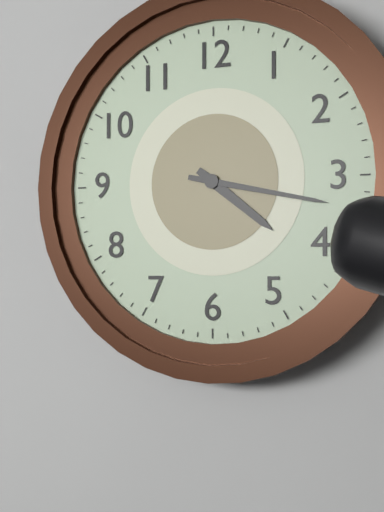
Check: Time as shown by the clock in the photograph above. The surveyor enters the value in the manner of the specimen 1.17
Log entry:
4.17
